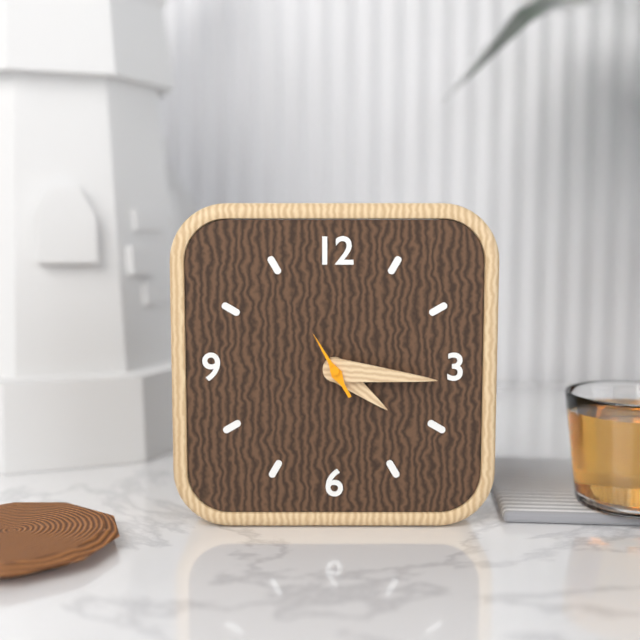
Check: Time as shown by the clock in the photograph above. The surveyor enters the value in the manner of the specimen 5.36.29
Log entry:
4.16.55
